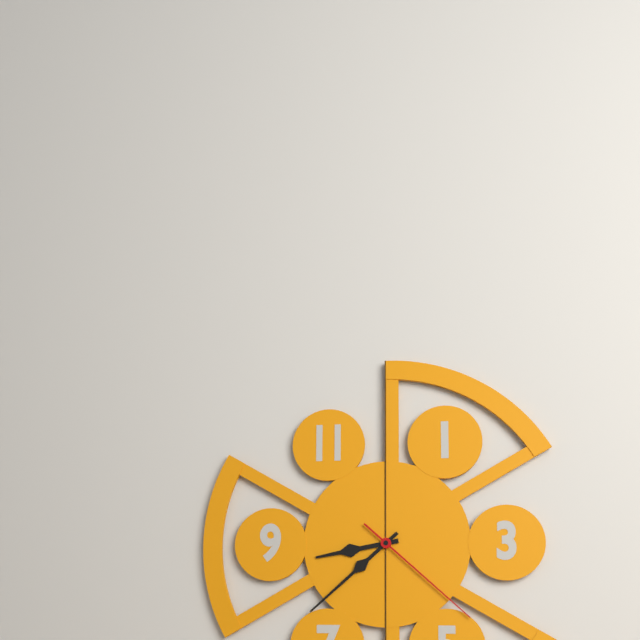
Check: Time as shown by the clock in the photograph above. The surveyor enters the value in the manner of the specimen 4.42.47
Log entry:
8.38.22
